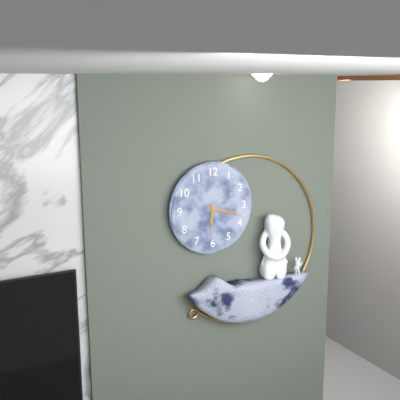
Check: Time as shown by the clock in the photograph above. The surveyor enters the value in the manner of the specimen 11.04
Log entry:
6.18
